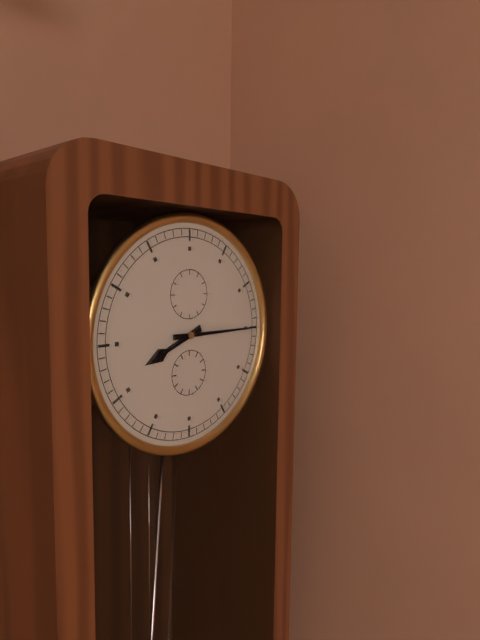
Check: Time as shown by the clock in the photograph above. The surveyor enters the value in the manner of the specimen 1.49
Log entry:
8.15
